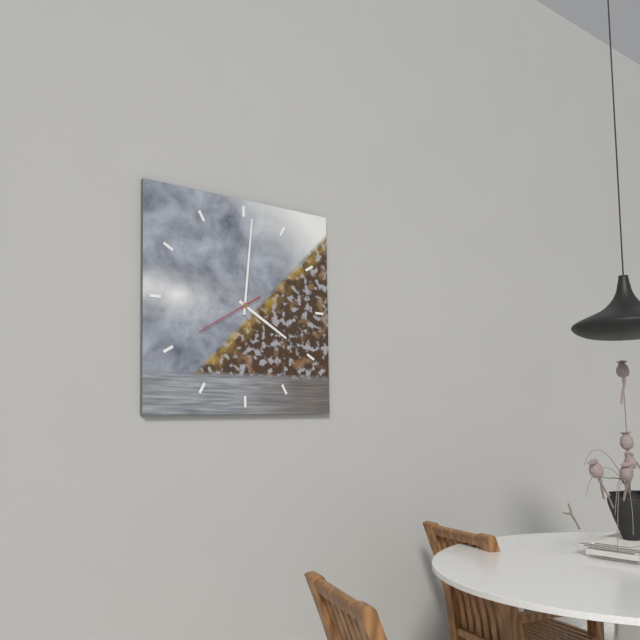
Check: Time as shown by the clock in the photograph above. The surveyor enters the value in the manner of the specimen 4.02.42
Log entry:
4.01.40
